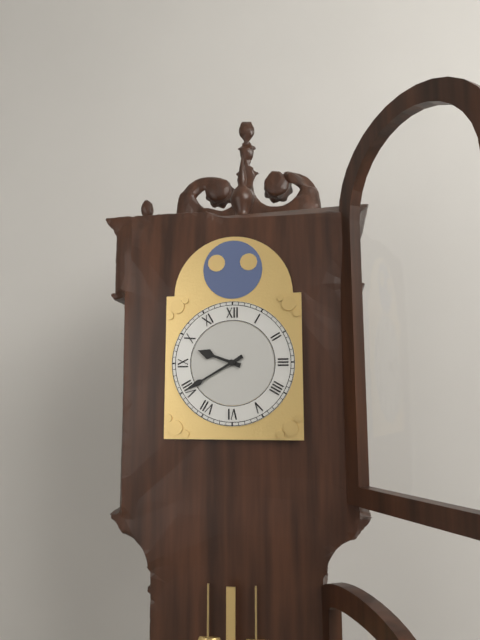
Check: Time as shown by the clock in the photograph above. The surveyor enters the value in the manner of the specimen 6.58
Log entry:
9.40
